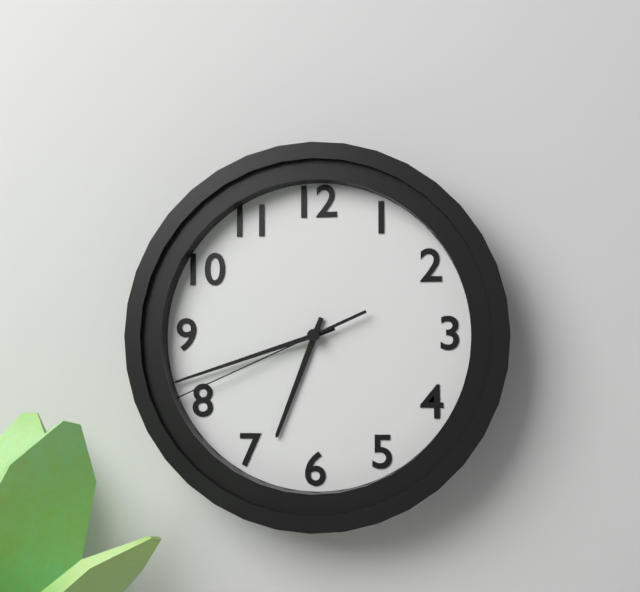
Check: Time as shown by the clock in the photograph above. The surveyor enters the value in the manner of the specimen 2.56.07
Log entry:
6.42.41
